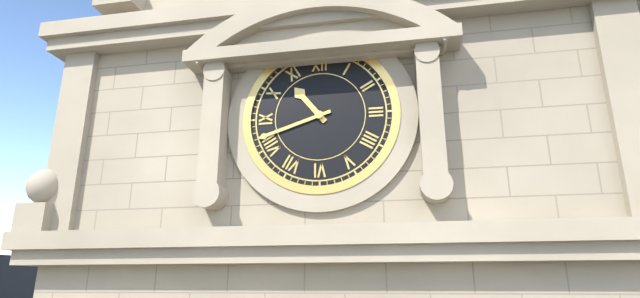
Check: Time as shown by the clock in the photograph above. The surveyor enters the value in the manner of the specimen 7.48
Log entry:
10.42
